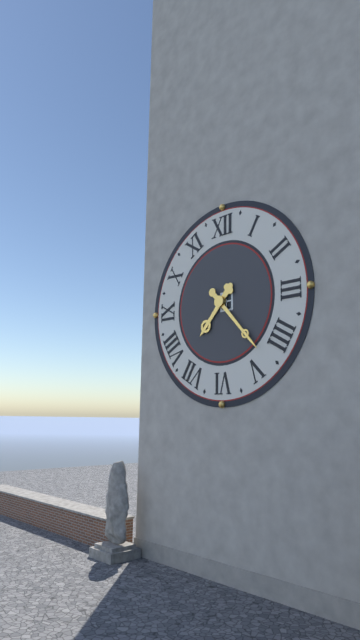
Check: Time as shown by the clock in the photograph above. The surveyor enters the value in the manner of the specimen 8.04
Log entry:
7.23
